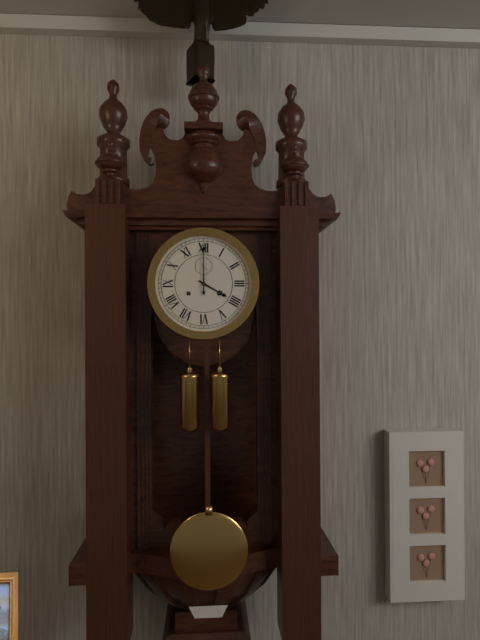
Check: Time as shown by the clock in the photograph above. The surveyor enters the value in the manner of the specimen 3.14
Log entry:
4.00
